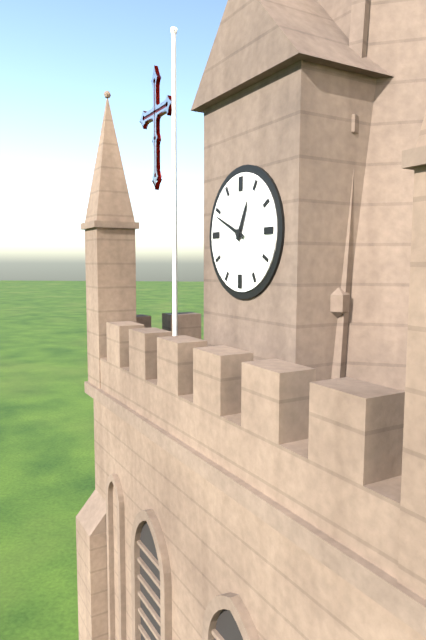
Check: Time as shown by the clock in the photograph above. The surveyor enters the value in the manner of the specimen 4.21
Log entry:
12.49
